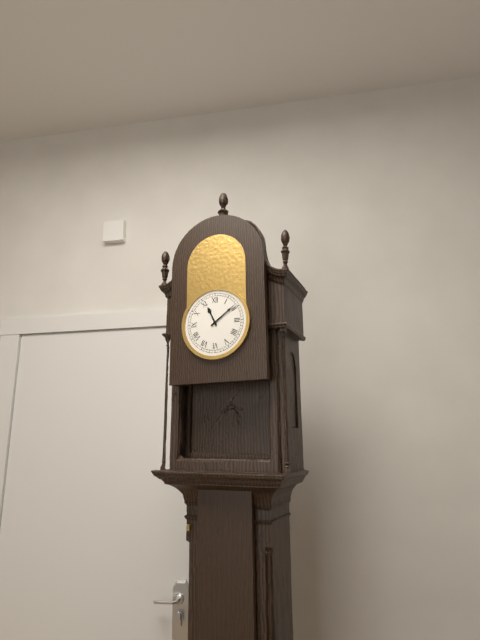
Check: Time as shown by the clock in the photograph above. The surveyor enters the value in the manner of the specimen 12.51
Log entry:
11.09
